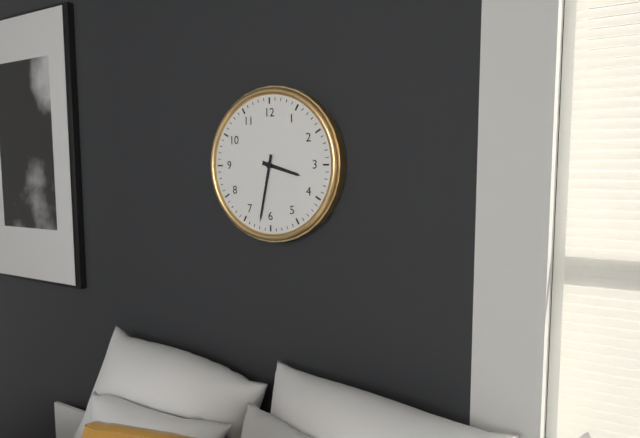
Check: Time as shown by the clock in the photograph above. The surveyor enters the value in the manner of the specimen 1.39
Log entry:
3.32
